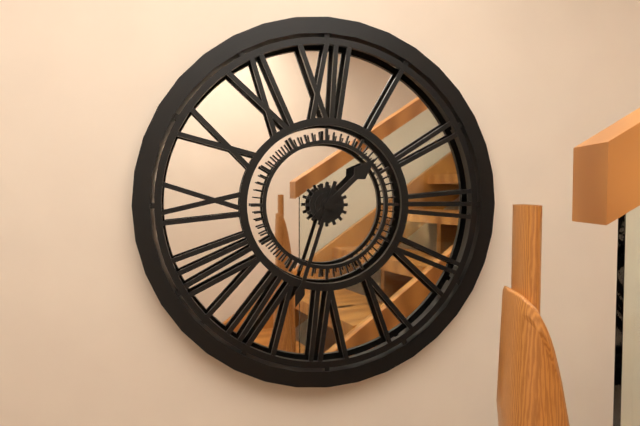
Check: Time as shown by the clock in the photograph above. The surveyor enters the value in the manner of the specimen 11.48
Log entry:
1.33
